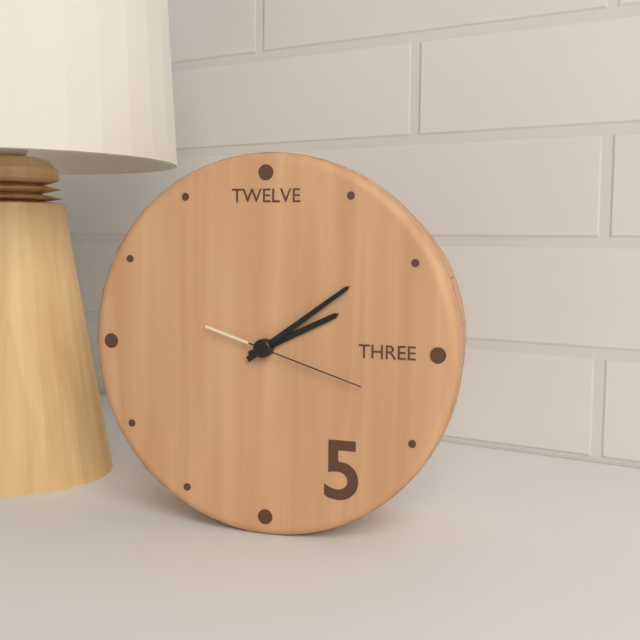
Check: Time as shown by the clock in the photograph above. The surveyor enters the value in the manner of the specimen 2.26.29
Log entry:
2.09.18
